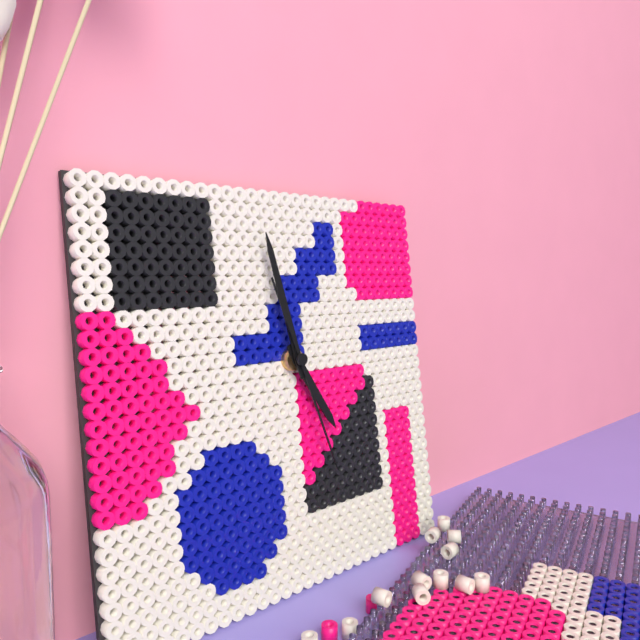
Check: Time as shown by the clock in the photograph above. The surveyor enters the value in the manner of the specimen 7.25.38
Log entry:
4.58.27
